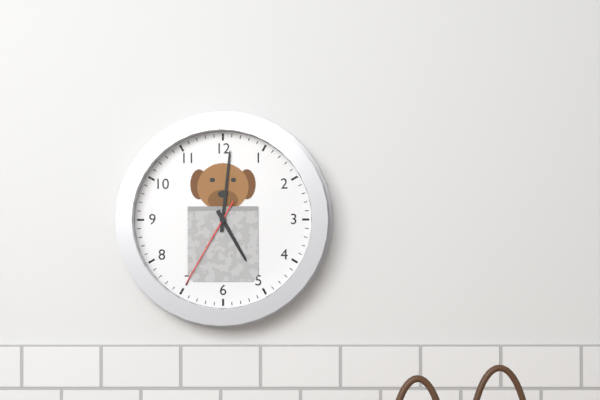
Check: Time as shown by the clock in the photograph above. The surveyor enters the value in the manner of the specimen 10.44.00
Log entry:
5.01.35
